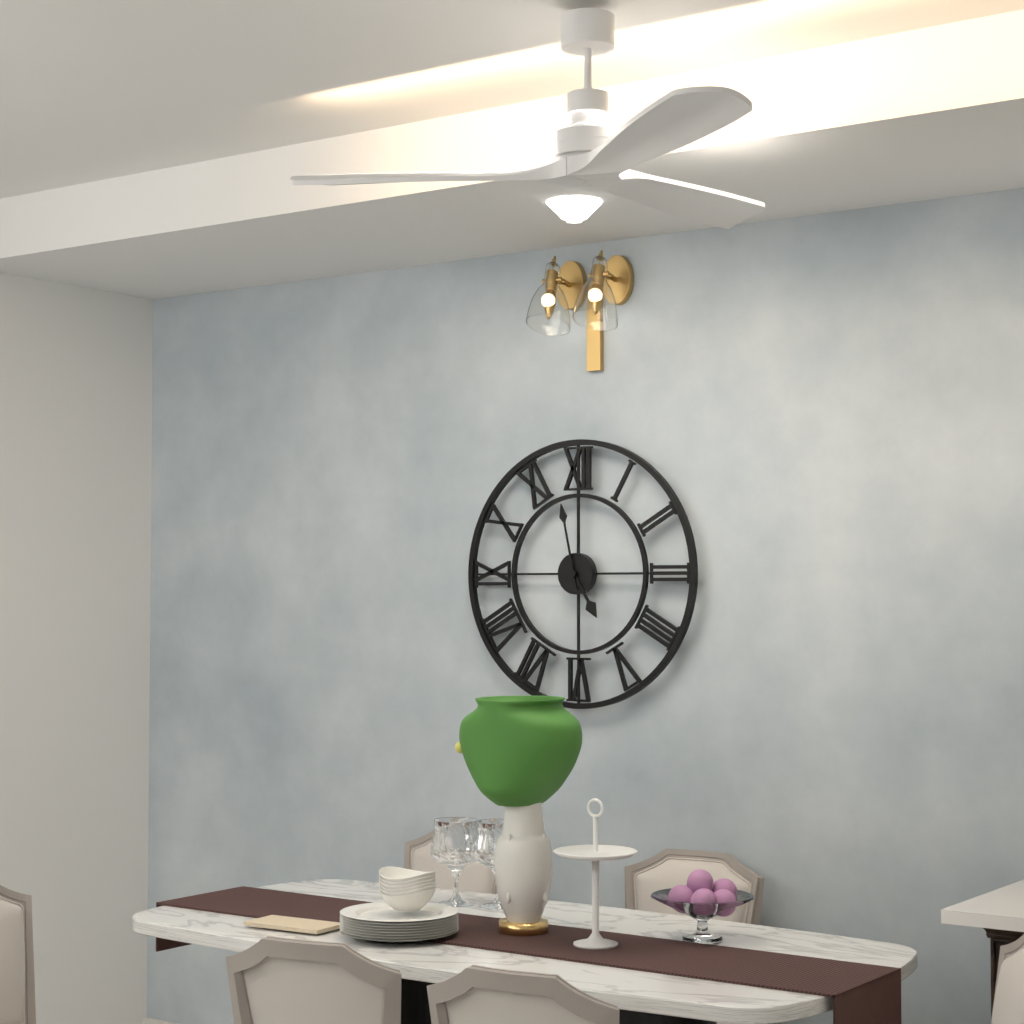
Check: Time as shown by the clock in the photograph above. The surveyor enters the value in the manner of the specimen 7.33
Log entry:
4.58
